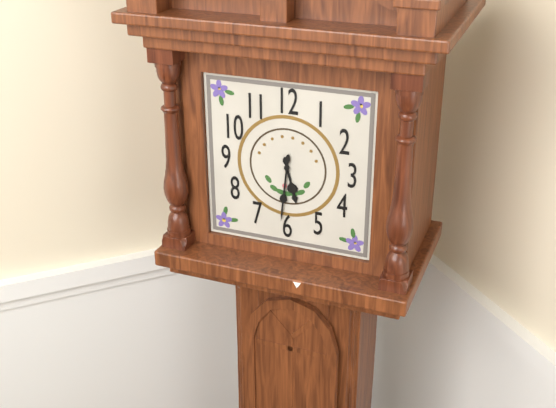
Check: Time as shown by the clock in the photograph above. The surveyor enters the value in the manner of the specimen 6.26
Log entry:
5.31
